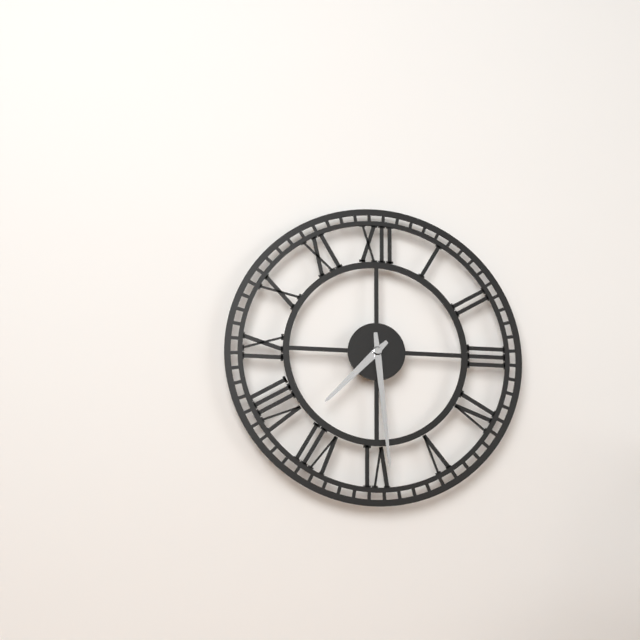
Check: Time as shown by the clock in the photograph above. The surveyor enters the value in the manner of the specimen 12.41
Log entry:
7.29
